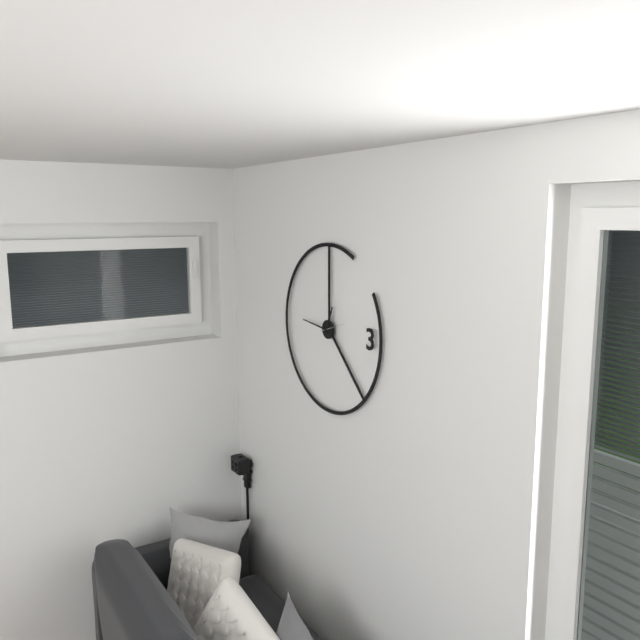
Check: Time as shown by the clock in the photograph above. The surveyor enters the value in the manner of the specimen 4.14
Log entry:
12.46
